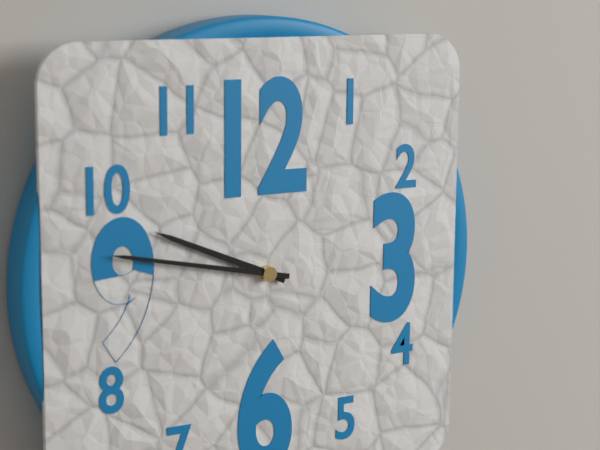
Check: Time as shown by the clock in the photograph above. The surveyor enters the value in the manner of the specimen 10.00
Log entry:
9.47
